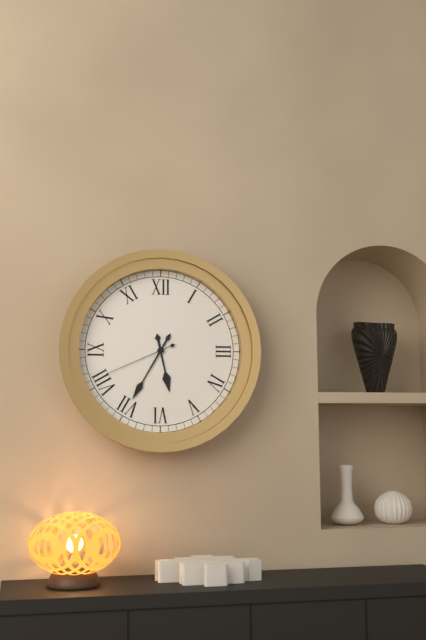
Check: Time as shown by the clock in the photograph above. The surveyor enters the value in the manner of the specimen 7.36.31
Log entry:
5.35.41
